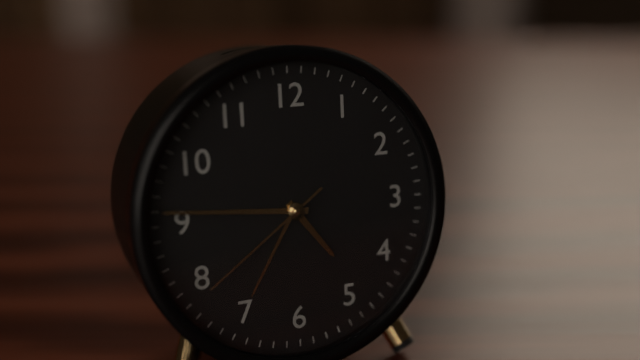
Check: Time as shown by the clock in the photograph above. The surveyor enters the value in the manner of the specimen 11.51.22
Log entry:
4.46.39
